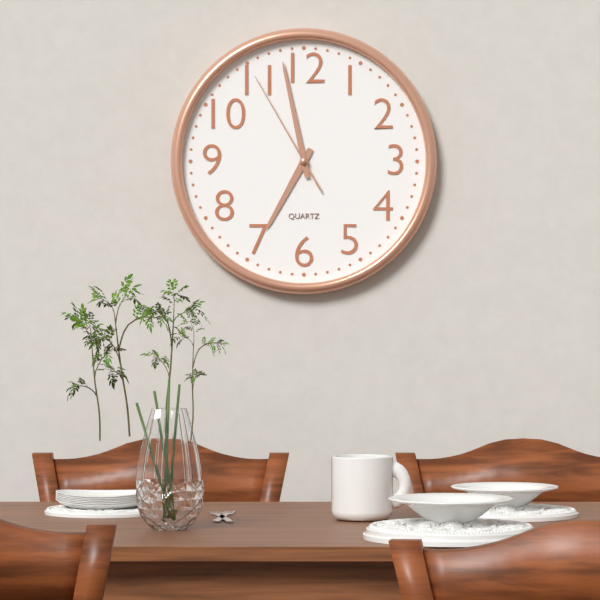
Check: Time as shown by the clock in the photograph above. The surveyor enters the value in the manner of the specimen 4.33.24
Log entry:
6.58.55
